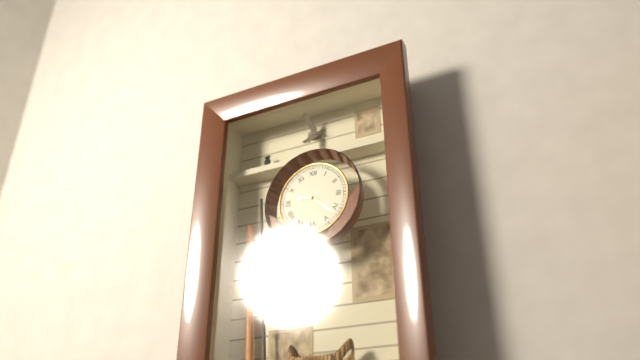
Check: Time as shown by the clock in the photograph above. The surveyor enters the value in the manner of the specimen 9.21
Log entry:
9.22
